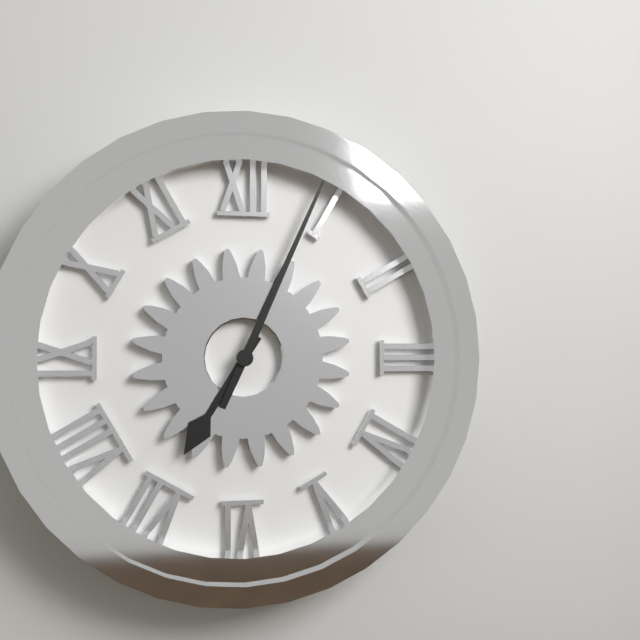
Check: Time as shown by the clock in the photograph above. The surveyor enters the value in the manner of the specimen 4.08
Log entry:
7.04
